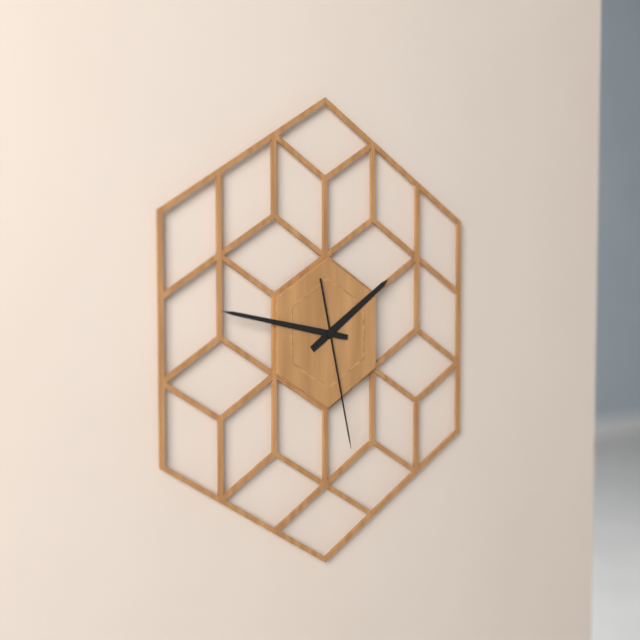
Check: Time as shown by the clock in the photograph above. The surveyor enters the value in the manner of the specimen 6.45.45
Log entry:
1.47.28
